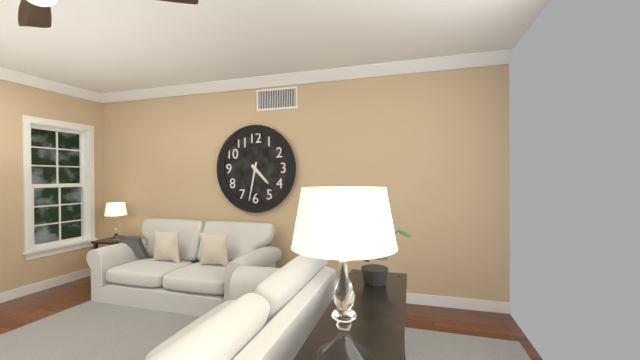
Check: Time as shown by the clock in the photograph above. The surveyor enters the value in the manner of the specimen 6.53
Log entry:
4.32
